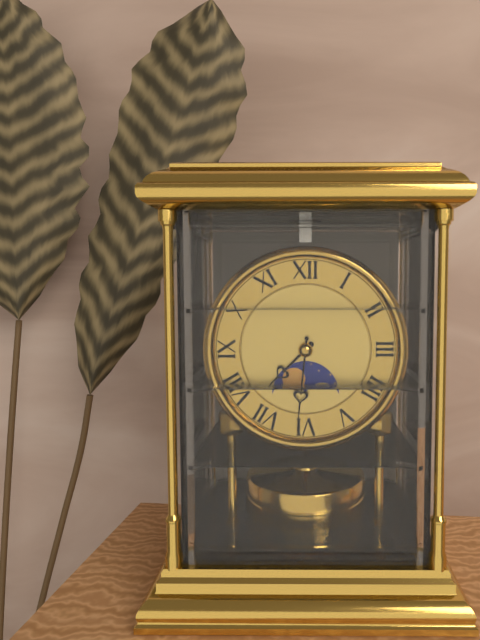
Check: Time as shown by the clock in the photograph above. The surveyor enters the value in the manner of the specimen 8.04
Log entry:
7.31
